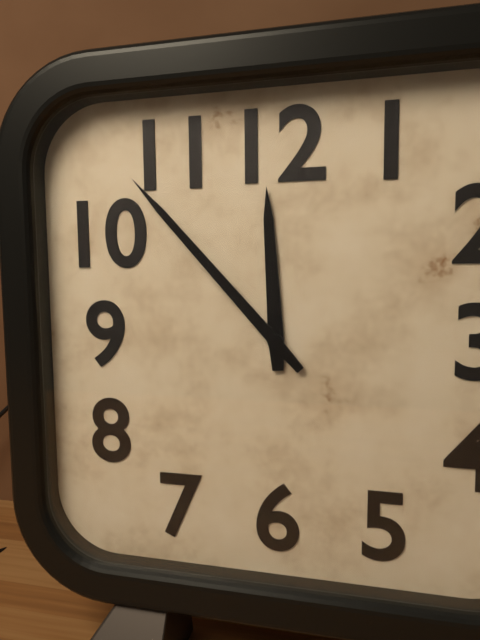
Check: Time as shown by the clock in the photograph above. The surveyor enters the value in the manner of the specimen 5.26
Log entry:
11.53
